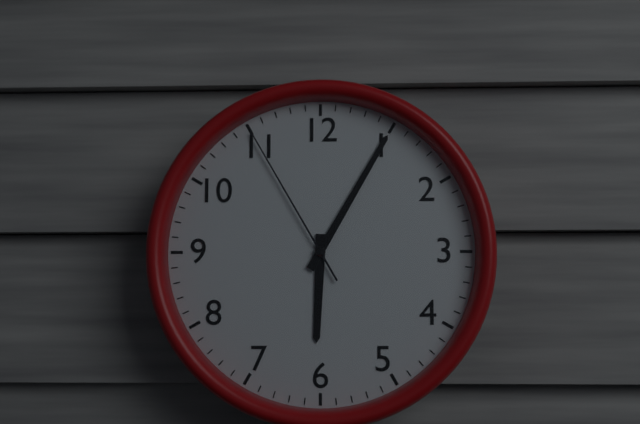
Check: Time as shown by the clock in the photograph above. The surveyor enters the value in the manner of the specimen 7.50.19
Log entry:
6.05.55
